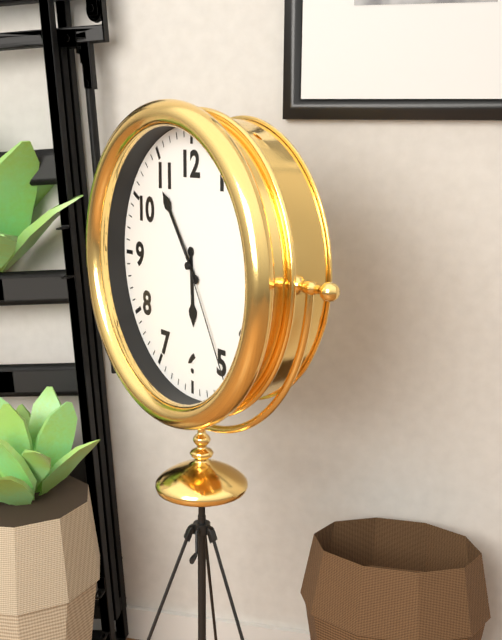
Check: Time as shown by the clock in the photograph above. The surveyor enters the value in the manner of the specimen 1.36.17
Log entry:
5.54.25
